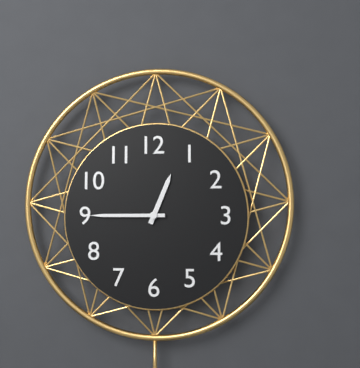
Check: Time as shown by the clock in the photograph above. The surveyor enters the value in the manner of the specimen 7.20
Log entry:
12.45
